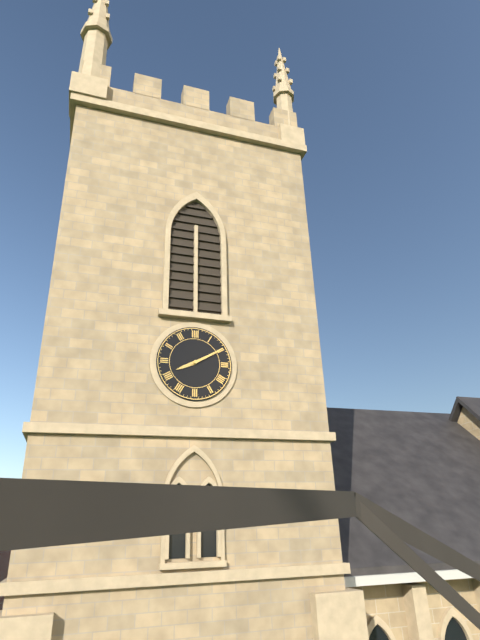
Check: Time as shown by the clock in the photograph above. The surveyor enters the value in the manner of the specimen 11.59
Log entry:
8.10
